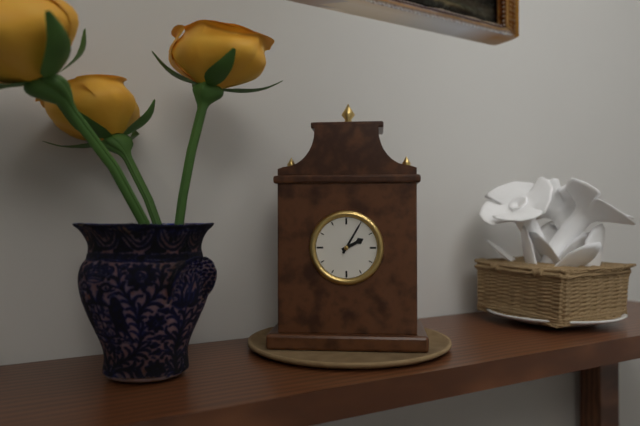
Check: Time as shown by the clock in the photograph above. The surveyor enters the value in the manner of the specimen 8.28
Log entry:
2.05
